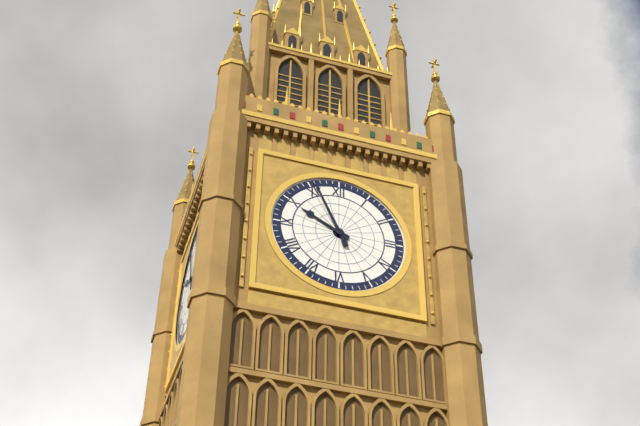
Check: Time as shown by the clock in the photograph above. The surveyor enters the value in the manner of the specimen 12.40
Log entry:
9.56
